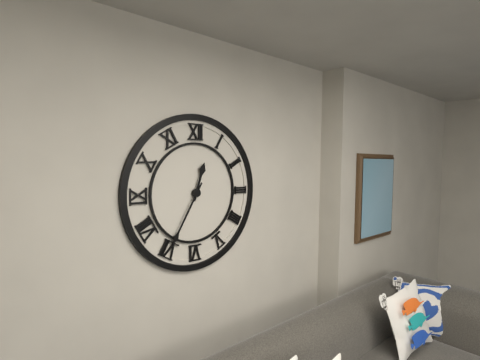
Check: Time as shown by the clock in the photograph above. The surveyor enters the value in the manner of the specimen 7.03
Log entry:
12.35
